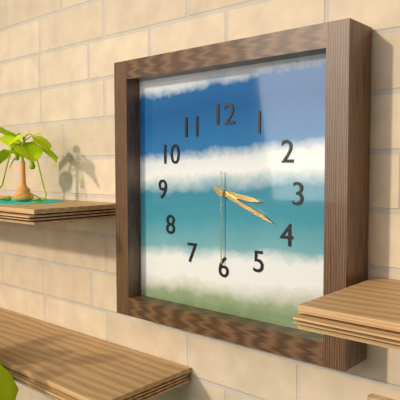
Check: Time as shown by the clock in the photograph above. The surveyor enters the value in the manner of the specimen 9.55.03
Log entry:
3.19.30
